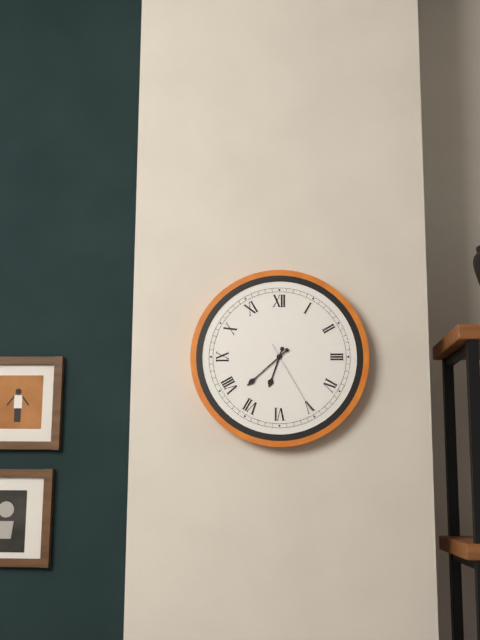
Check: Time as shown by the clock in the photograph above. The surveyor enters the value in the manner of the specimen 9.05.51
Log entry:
6.38.25
